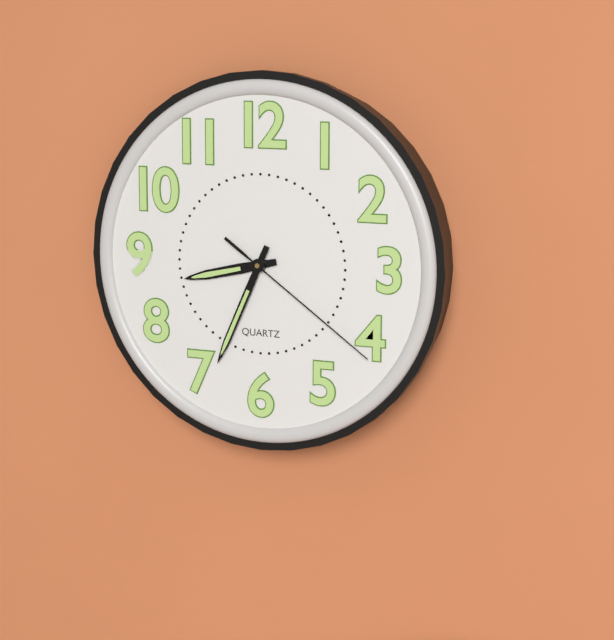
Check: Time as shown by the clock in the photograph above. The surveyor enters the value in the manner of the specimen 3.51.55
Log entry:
8.34.21
